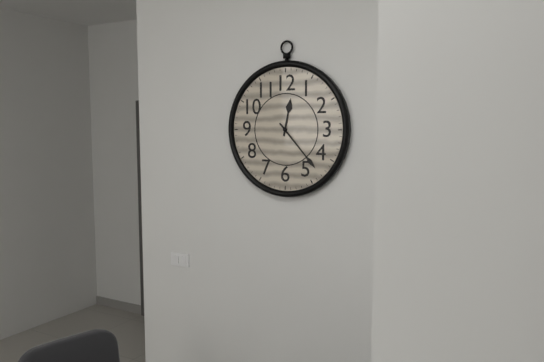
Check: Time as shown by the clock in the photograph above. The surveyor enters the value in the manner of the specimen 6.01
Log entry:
12.23
